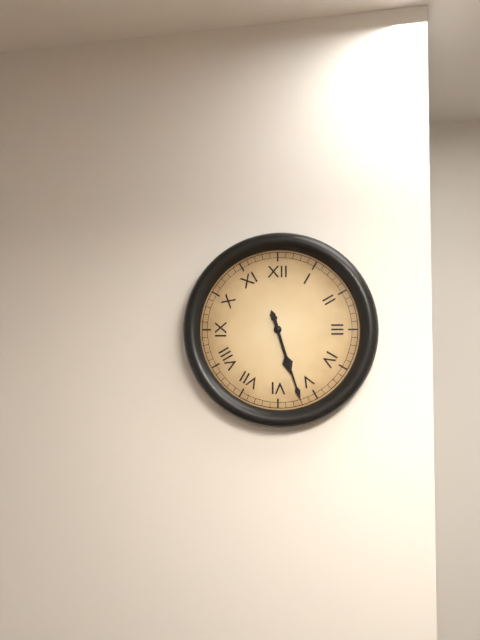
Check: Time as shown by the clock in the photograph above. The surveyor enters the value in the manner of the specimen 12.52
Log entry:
5.27
